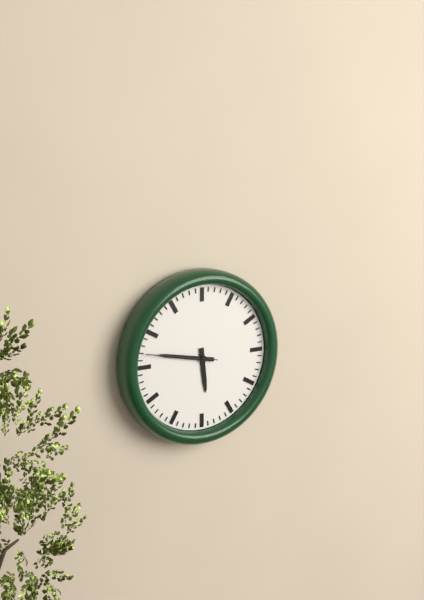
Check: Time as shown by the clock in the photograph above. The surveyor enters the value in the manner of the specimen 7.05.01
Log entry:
5.47.47
